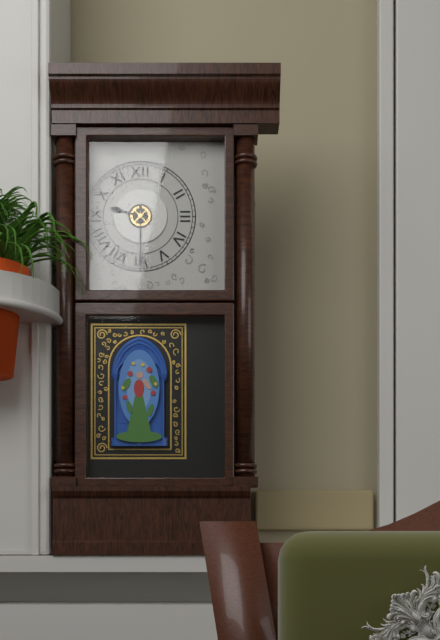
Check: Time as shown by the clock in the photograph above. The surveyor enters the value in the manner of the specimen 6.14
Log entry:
9.30
